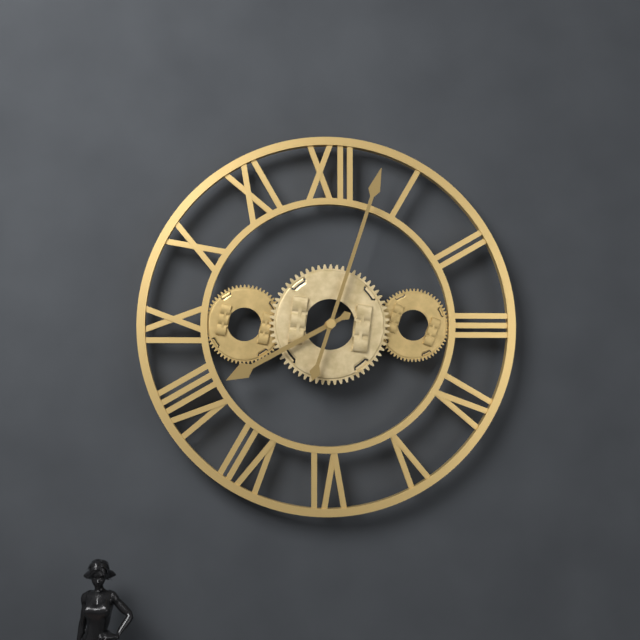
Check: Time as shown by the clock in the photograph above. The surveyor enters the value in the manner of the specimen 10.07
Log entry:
8.03
